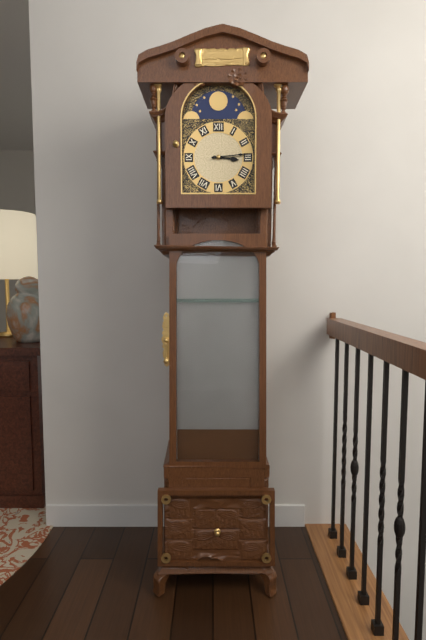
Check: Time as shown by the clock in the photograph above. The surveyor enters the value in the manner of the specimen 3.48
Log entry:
3.14
